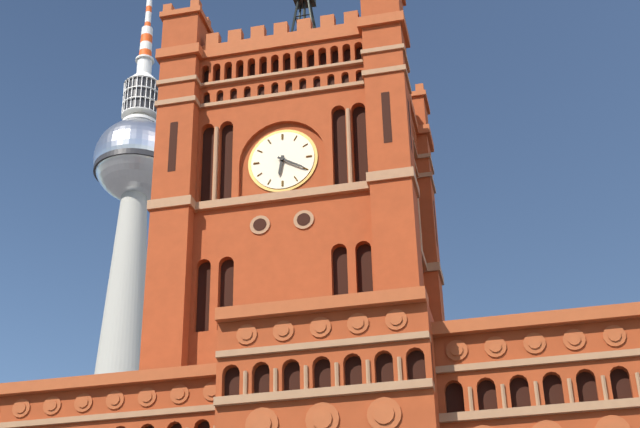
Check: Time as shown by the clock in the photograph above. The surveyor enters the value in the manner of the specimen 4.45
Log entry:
6.20
